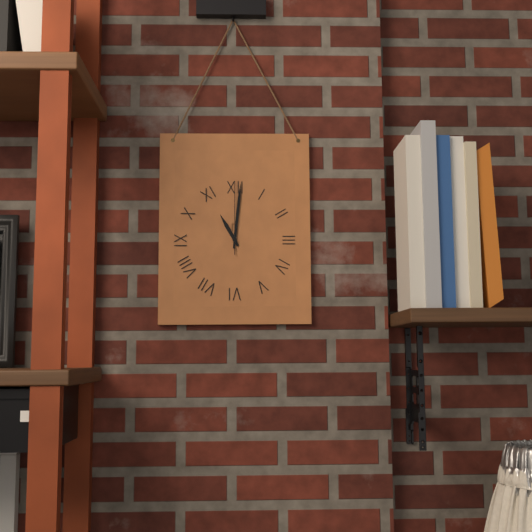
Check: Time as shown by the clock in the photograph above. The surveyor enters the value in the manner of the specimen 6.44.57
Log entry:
11.01.00
